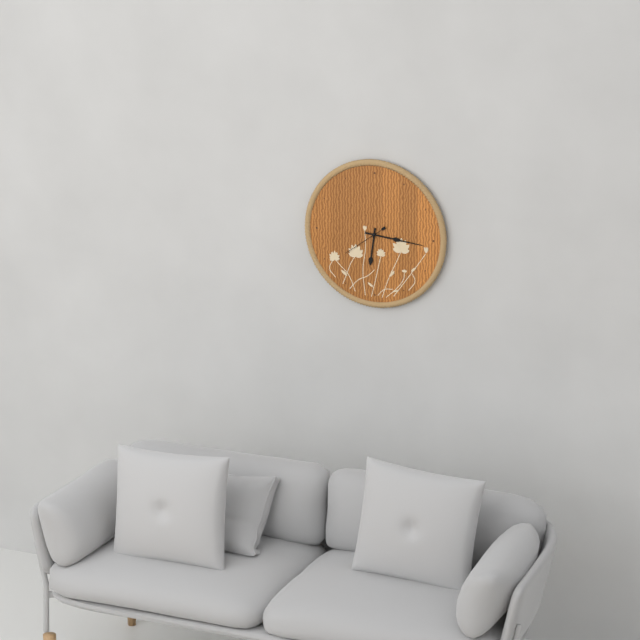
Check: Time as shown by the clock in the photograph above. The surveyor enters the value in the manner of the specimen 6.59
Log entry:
6.16
